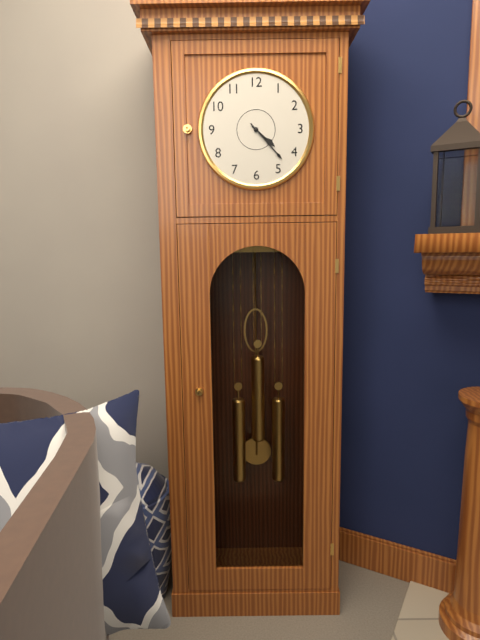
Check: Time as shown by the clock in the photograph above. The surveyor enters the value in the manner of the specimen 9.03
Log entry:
4.23
